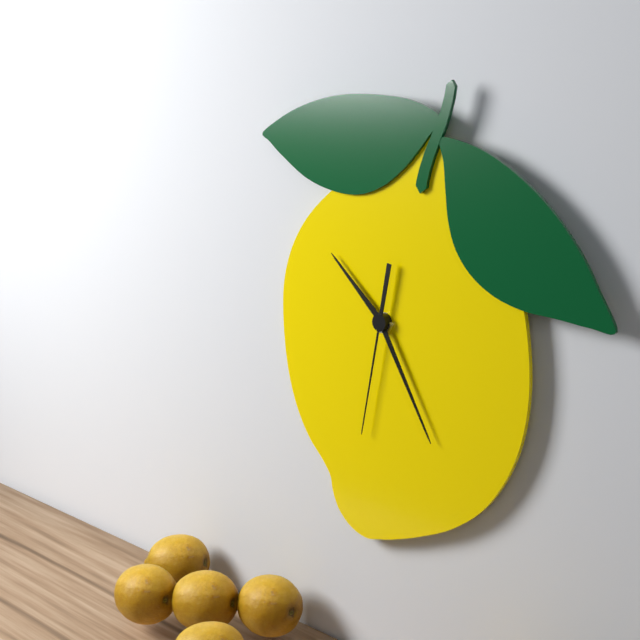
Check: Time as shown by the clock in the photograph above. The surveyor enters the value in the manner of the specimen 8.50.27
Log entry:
10.25.32
